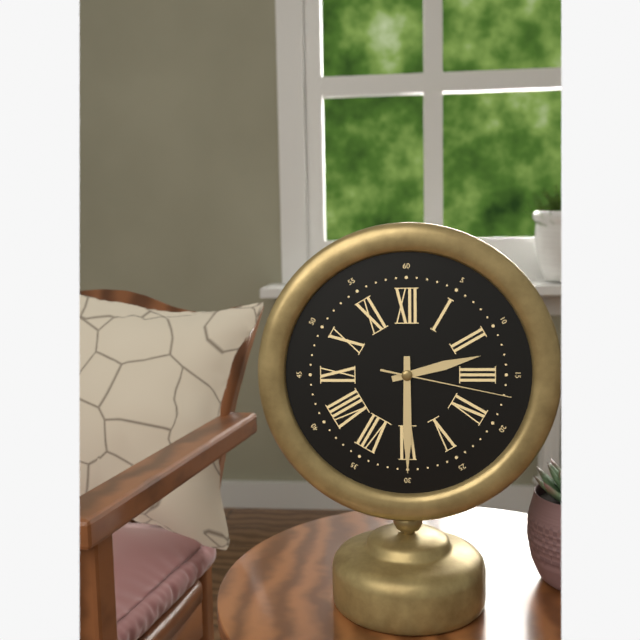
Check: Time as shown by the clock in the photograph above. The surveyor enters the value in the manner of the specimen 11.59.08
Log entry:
2.30.17
